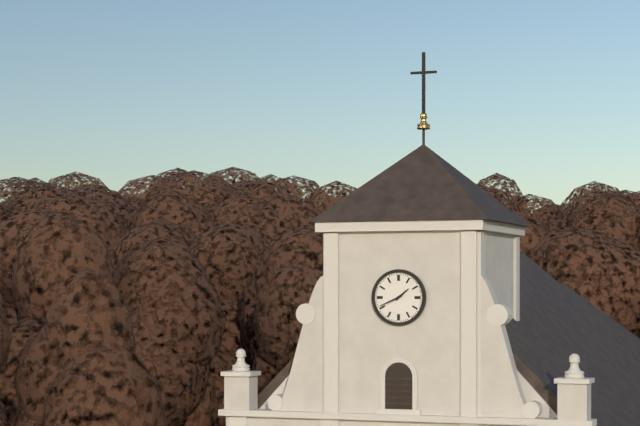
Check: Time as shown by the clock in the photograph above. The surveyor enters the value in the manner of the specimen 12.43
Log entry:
1.41
